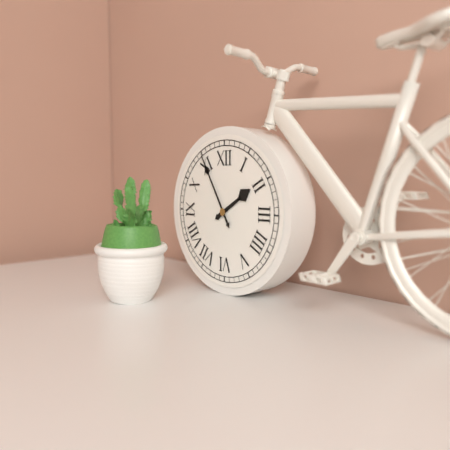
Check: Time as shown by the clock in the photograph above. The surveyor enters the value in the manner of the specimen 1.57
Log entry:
1.55
